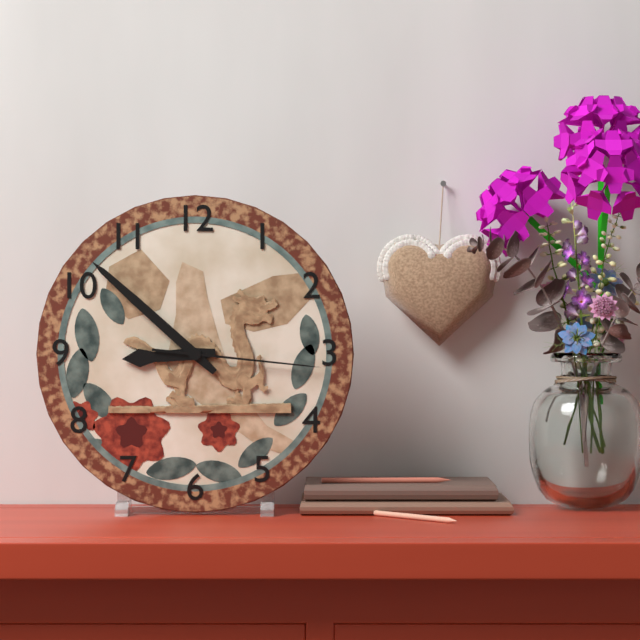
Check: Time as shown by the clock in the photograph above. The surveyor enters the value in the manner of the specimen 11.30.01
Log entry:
8.52.16
